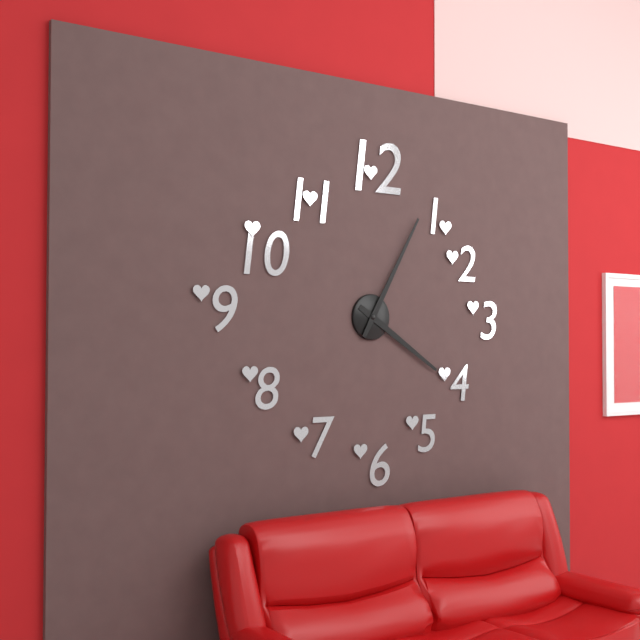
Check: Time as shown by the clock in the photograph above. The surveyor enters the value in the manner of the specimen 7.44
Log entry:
4.05
